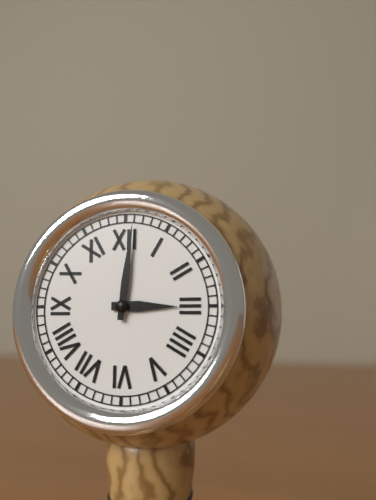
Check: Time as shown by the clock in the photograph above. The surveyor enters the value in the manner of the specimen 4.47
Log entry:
3.01
